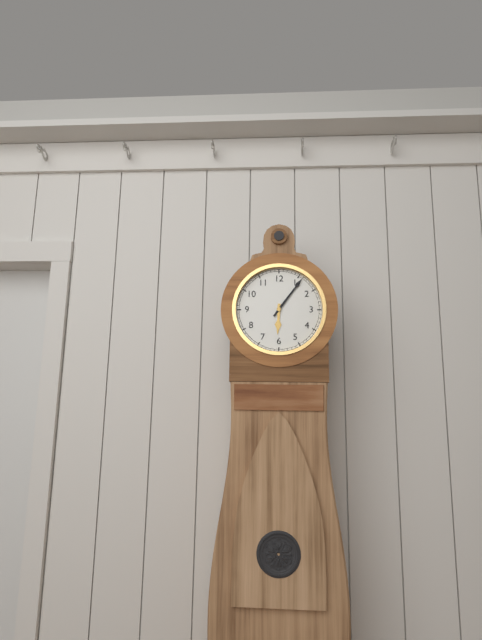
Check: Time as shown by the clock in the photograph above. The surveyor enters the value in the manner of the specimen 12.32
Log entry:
6.06
